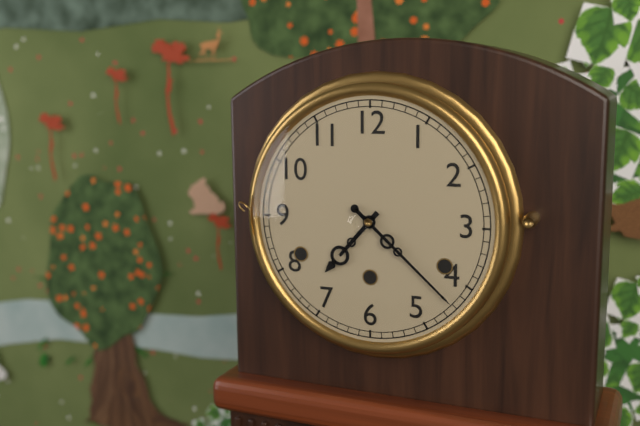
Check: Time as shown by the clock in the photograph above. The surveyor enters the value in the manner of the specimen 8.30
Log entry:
7.22
